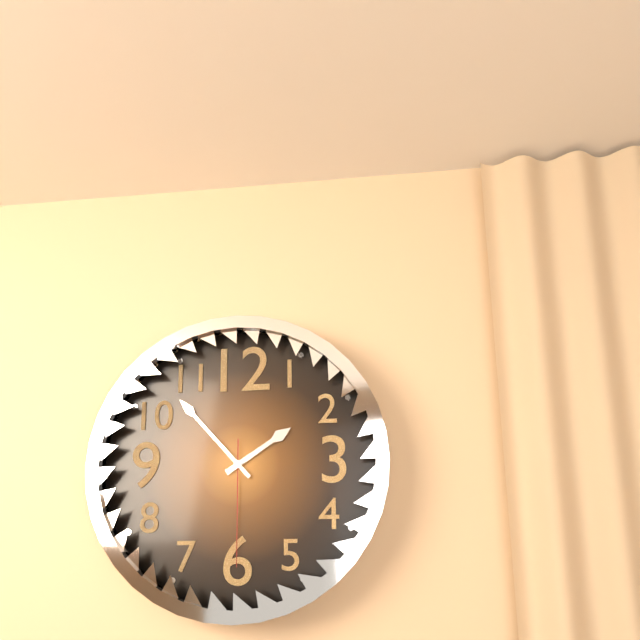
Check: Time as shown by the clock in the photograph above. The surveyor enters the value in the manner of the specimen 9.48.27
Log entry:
1.53.30
